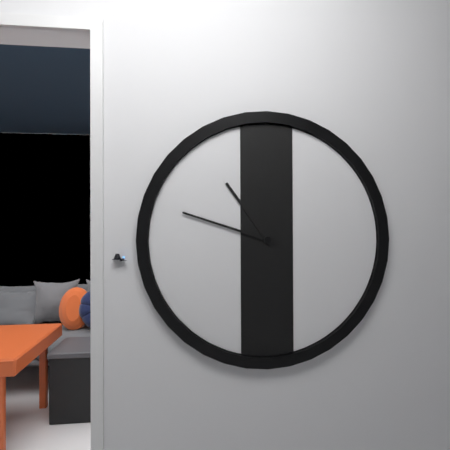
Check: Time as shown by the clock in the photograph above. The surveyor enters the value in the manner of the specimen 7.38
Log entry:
10.48
